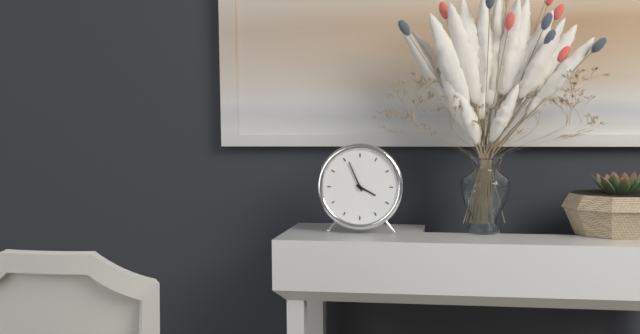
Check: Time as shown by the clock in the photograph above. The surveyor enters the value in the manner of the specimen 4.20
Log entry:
3.56
